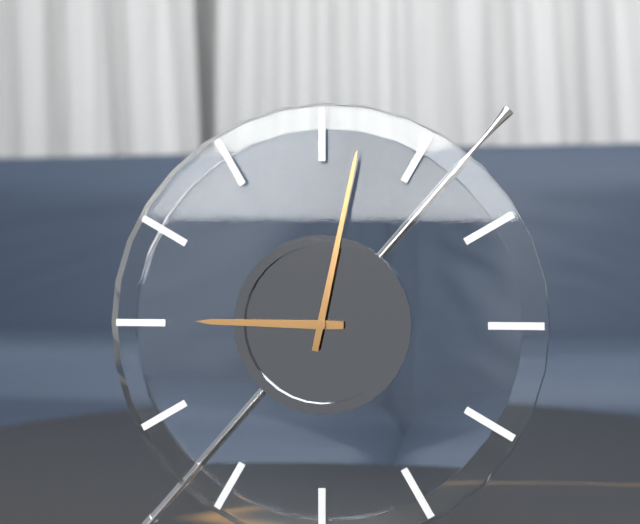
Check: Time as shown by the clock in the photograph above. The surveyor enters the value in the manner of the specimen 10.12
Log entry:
9.02
